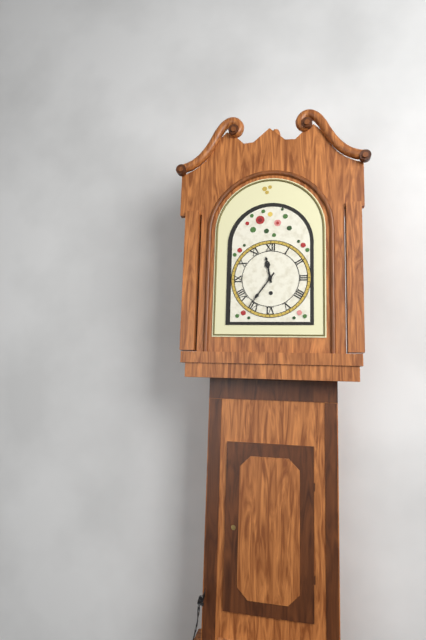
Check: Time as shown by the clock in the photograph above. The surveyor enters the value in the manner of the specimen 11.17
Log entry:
11.36
